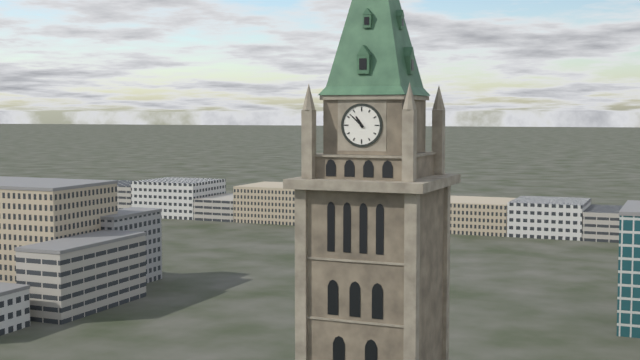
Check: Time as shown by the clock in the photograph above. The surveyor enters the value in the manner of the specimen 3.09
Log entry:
10.52
